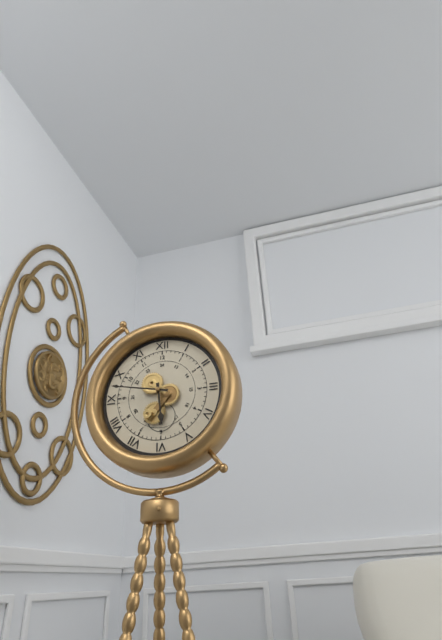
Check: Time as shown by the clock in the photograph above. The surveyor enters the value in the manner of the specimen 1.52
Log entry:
5.47
